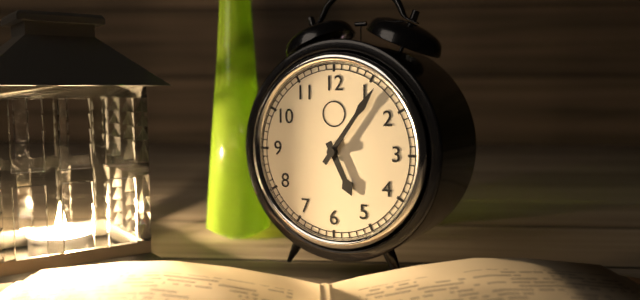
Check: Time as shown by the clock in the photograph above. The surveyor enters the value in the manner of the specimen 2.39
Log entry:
5.06
